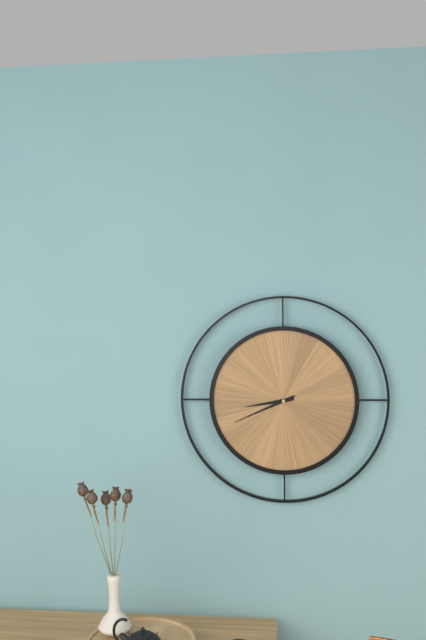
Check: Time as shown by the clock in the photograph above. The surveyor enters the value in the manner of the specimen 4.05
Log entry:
8.41
